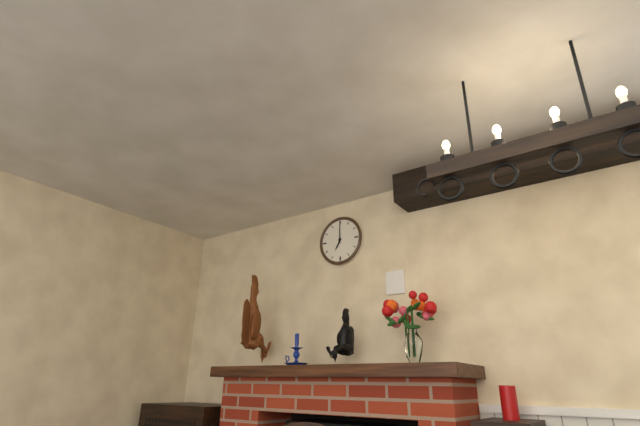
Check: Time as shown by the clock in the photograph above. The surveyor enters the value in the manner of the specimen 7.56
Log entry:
7.00
